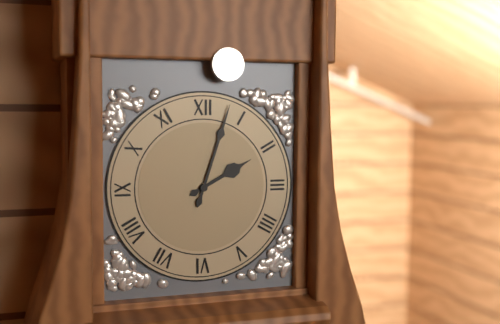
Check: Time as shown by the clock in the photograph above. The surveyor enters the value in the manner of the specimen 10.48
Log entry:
2.03
